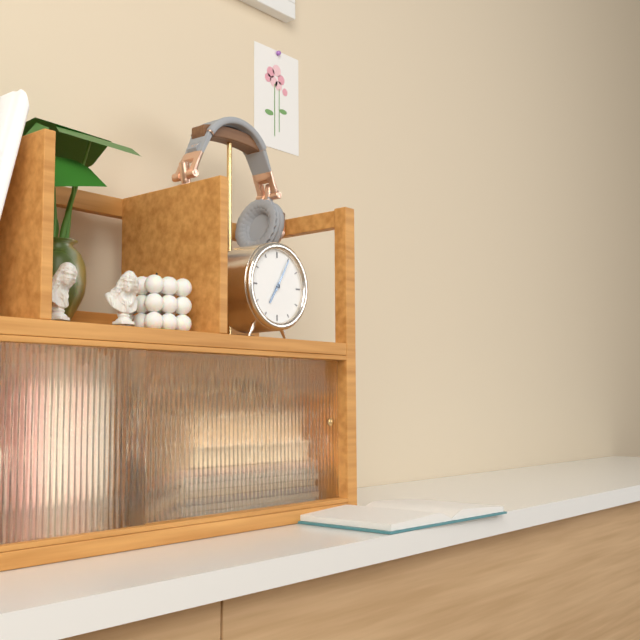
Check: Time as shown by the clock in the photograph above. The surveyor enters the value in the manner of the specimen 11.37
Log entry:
7.05
